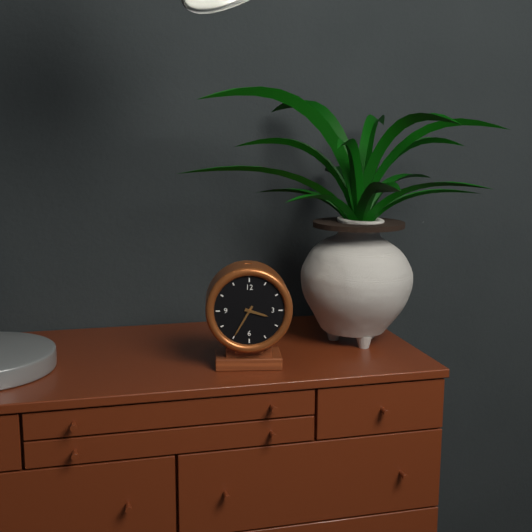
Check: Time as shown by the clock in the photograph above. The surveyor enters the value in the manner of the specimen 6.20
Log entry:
3.35
